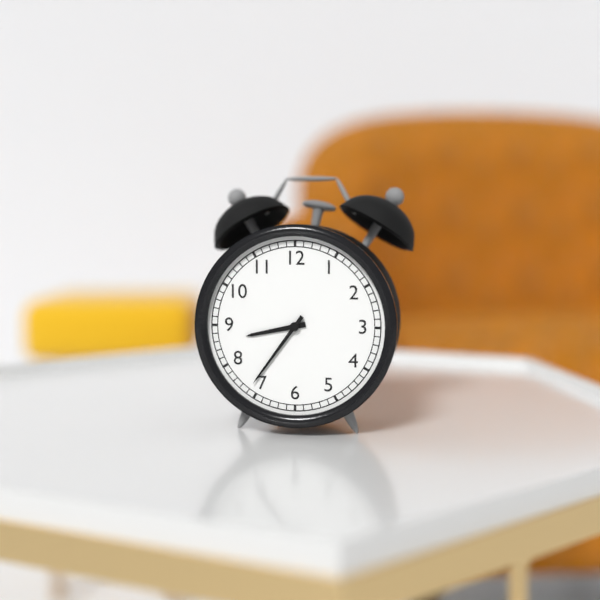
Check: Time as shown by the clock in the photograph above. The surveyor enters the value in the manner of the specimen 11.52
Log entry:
8.36
